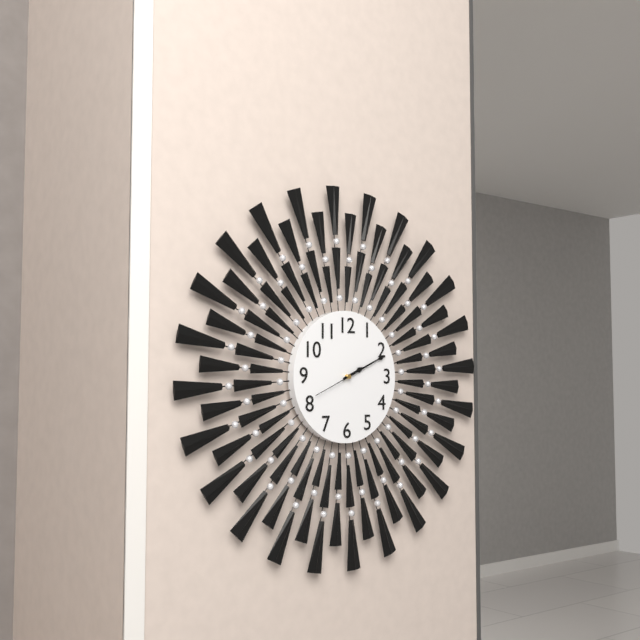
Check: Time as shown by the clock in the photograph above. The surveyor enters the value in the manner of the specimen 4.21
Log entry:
2.11
